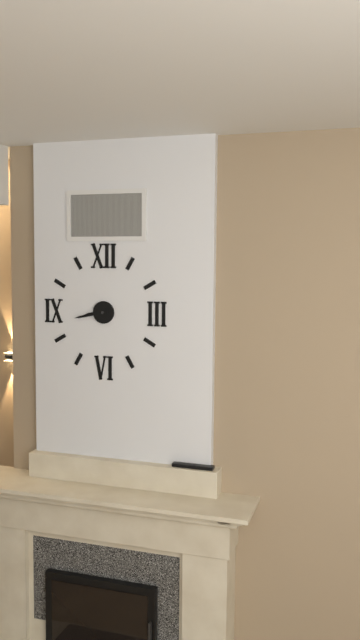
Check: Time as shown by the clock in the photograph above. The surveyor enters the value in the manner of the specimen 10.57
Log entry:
8.43
